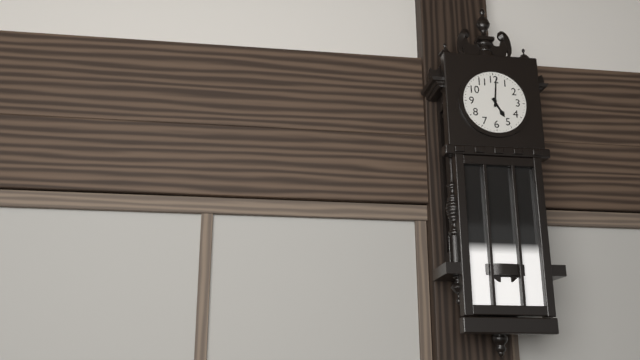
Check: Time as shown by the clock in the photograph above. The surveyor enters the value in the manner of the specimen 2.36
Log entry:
5.01
